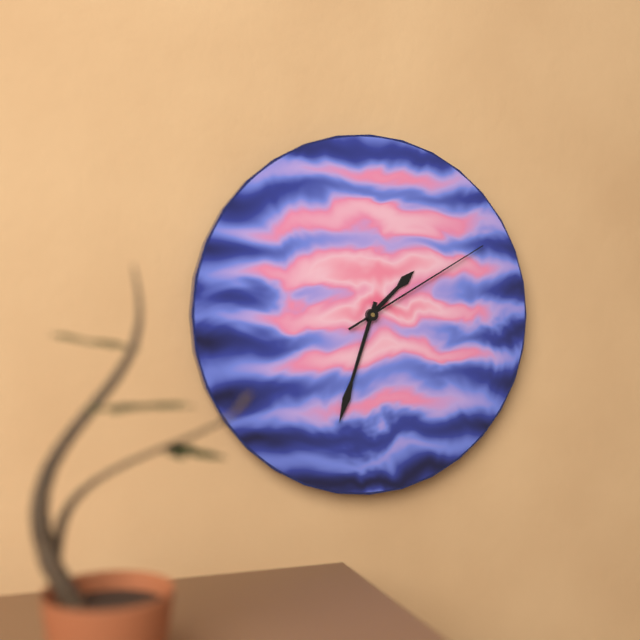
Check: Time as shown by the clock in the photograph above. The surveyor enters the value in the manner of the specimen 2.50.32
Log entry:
1.33.10
